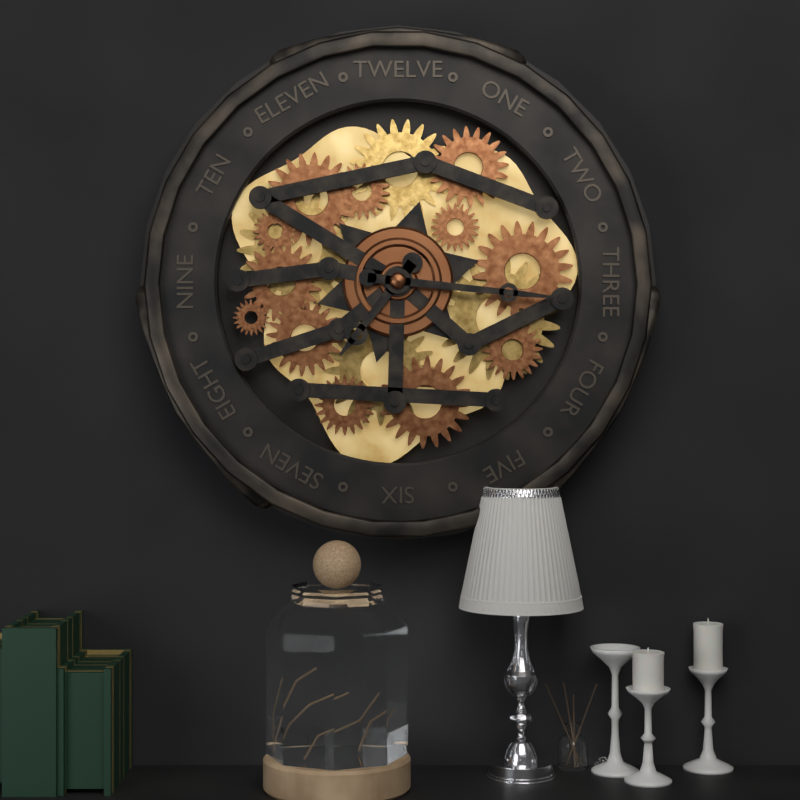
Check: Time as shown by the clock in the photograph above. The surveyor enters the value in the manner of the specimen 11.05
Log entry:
7.16
